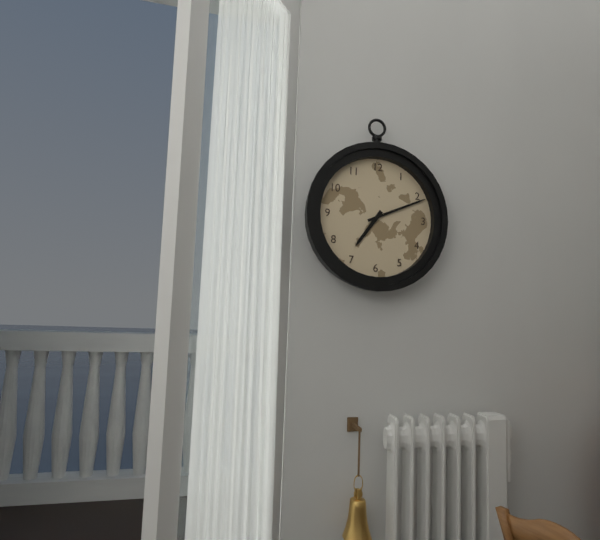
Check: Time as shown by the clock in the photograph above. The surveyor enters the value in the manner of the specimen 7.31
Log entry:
7.11
